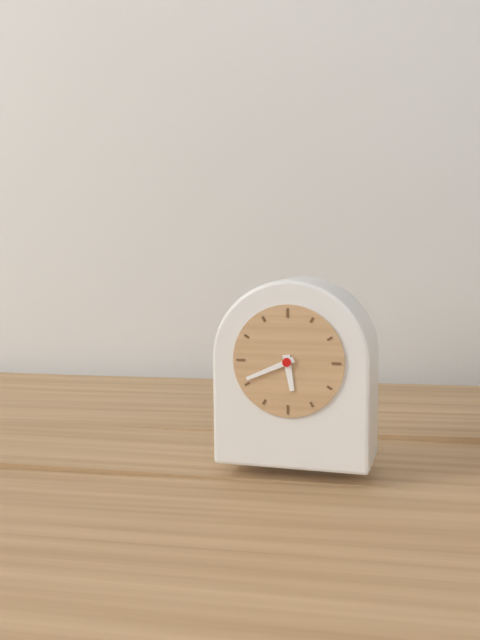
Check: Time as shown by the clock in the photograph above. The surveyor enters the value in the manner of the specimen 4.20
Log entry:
5.41
